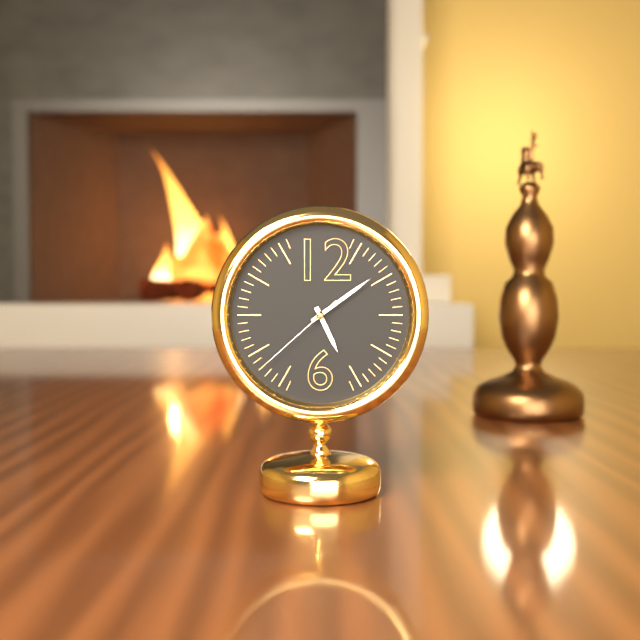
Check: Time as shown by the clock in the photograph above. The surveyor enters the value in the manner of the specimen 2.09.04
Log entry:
5.09.38
